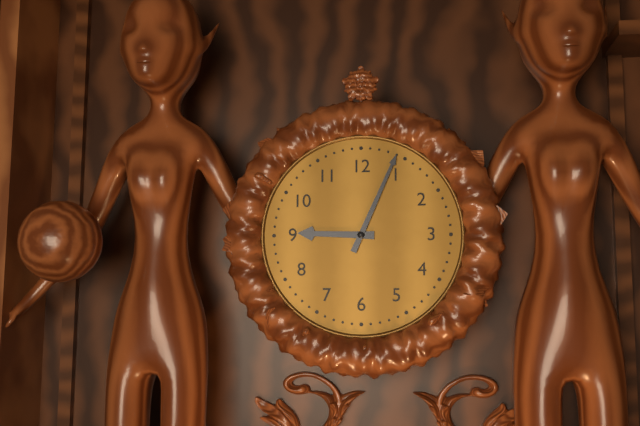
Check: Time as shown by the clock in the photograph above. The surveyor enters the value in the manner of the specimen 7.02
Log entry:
9.04
